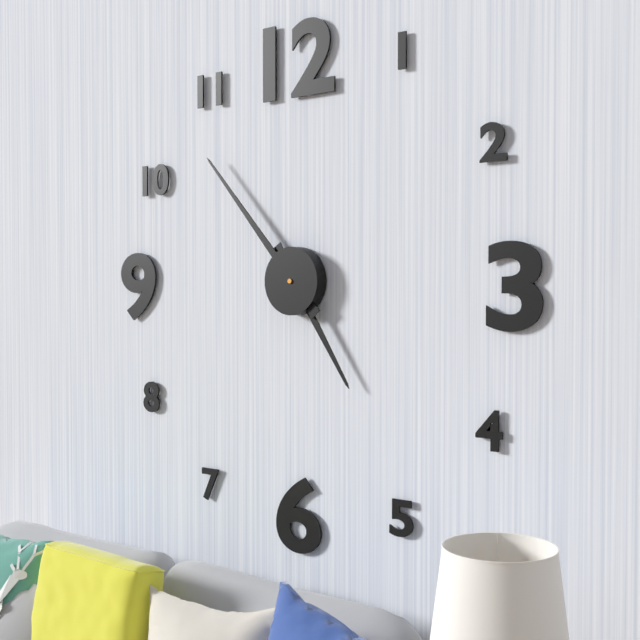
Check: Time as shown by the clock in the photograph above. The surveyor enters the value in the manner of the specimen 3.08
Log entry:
4.53
